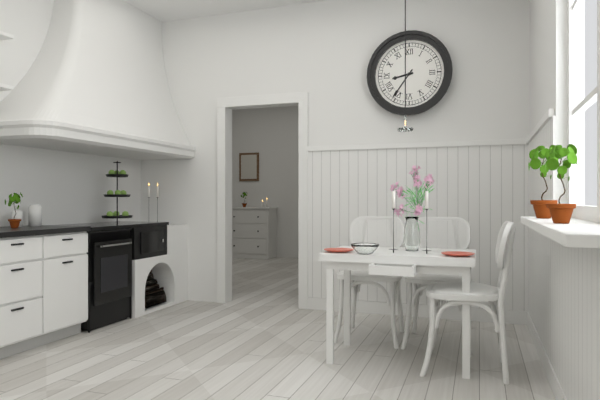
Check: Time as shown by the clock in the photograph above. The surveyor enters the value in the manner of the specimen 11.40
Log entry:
8.36
